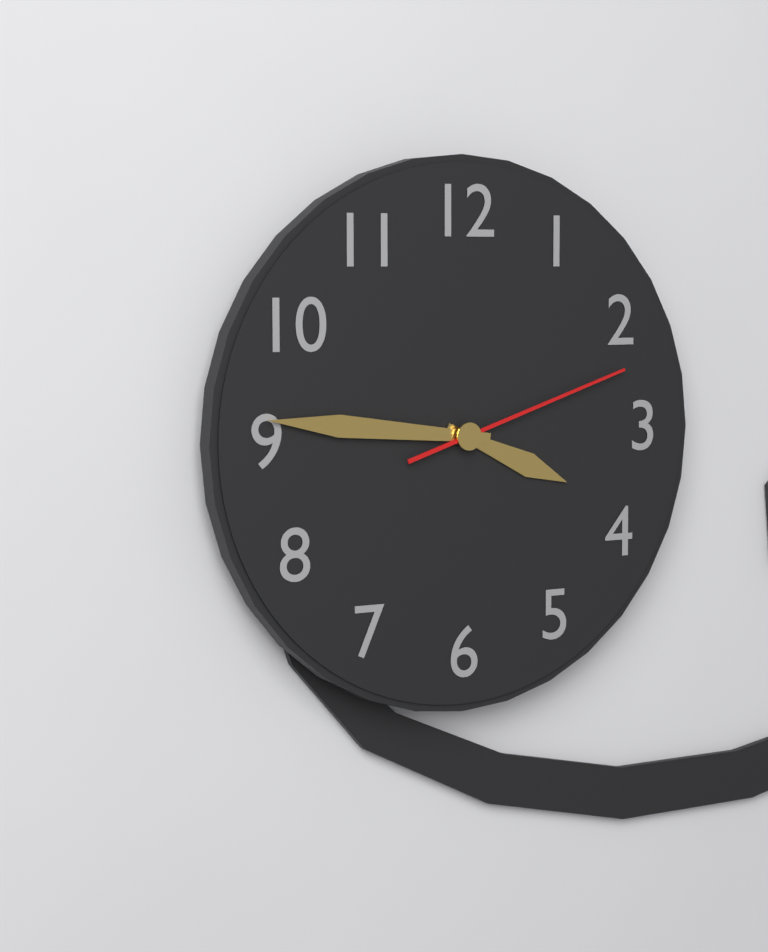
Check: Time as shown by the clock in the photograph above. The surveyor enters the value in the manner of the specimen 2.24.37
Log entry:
3.46.12
